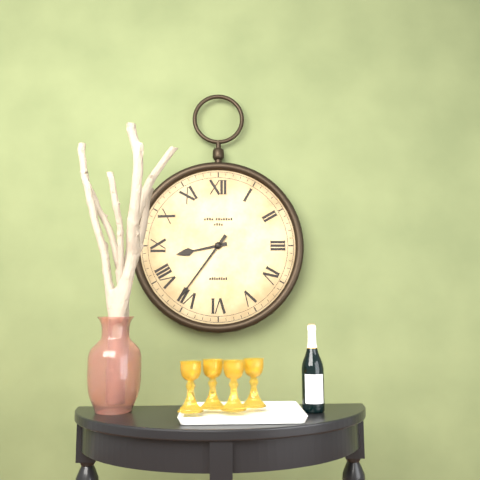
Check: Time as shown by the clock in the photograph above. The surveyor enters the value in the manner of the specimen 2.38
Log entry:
8.36
